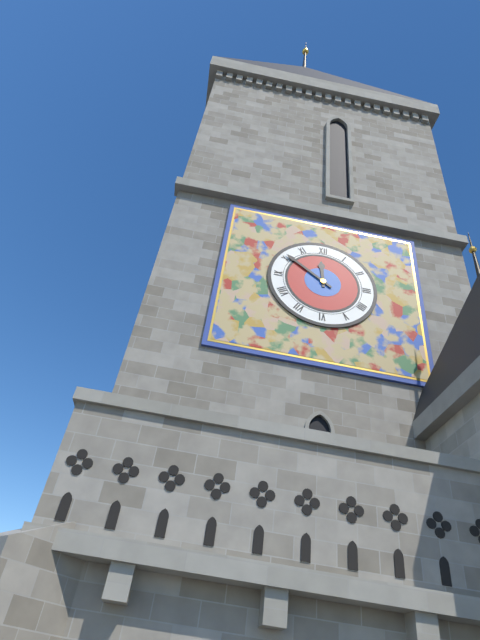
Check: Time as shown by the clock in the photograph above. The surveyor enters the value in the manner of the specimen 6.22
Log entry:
11.51
